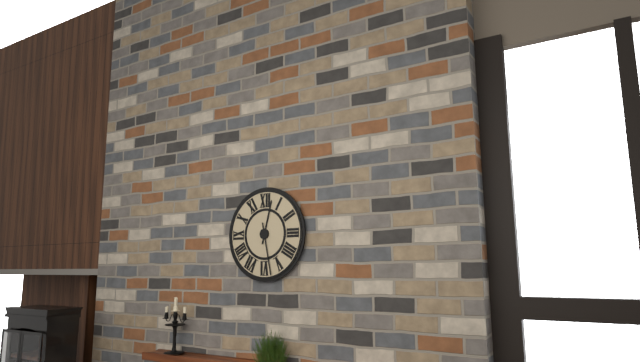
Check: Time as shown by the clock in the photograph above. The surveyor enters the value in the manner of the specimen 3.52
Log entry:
12.28
